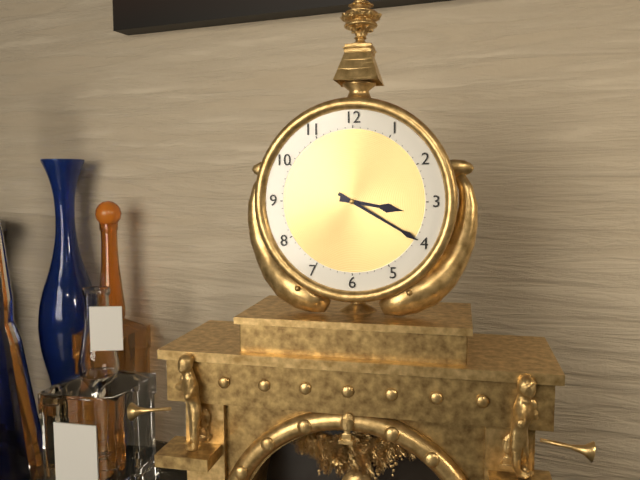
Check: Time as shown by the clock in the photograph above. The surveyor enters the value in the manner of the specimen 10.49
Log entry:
3.20
